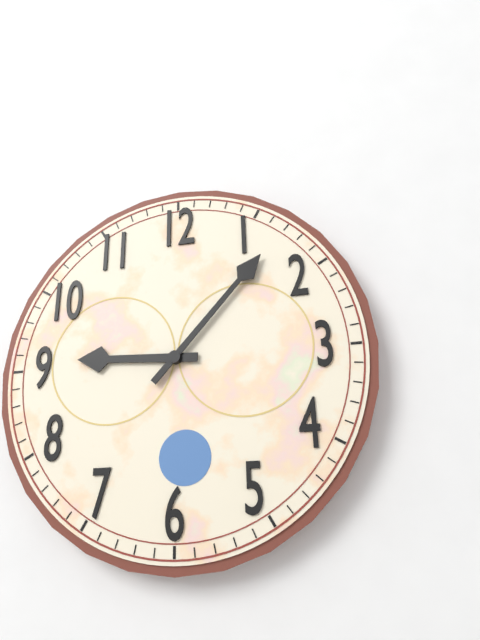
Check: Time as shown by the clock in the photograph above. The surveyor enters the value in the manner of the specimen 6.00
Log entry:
9.07
